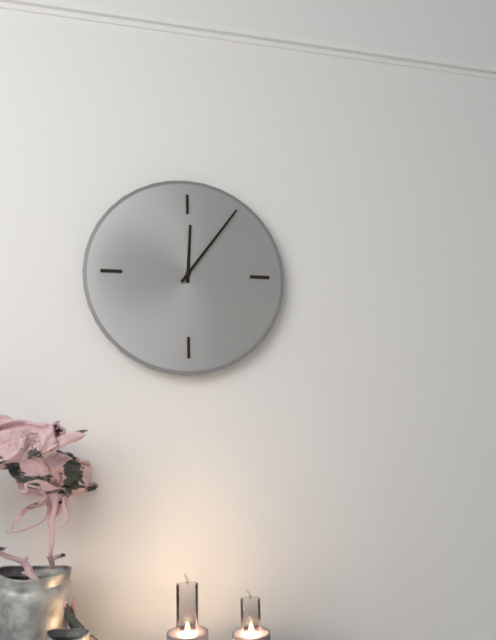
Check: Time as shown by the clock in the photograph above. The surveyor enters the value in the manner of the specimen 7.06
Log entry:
12.06
